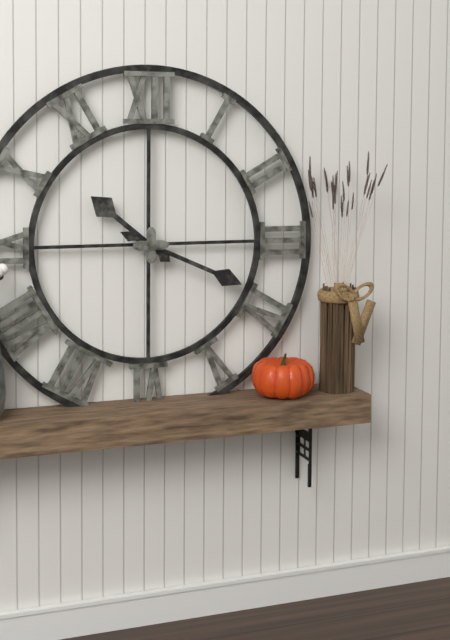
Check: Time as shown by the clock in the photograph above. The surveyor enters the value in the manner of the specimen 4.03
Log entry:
10.19
